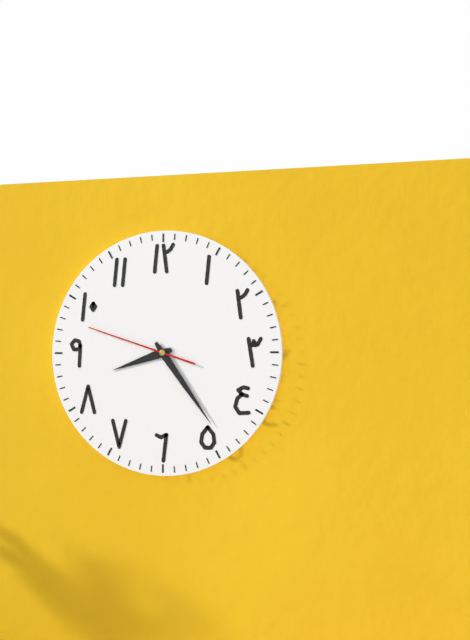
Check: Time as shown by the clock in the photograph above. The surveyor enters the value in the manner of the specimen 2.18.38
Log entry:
8.24.48
